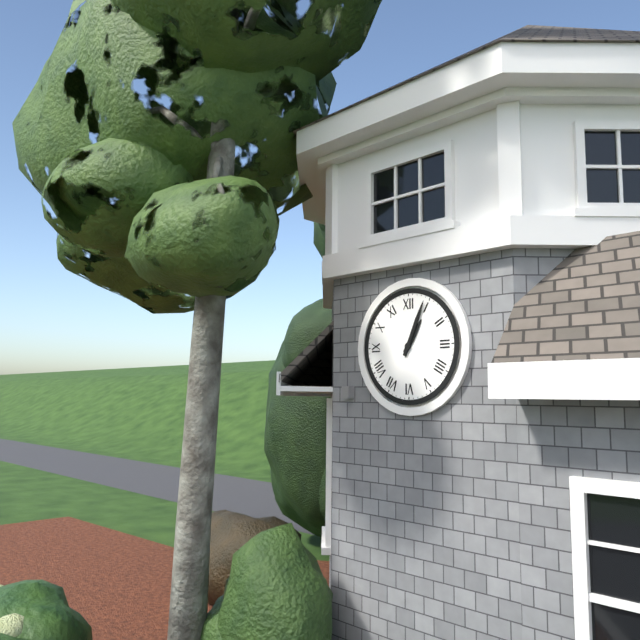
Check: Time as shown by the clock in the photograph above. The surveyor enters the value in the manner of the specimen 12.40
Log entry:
1.04
